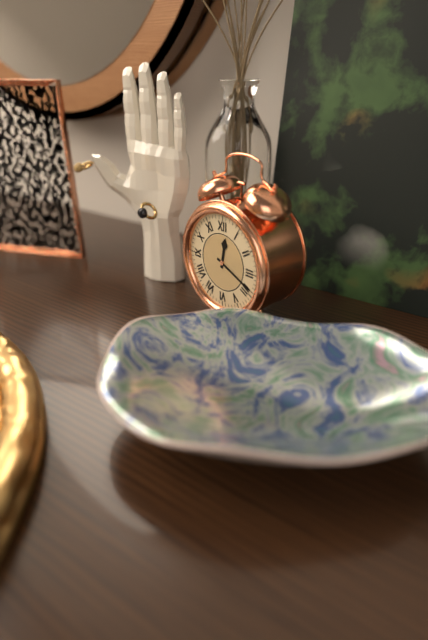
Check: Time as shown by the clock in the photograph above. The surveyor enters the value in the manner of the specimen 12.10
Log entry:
12.19
